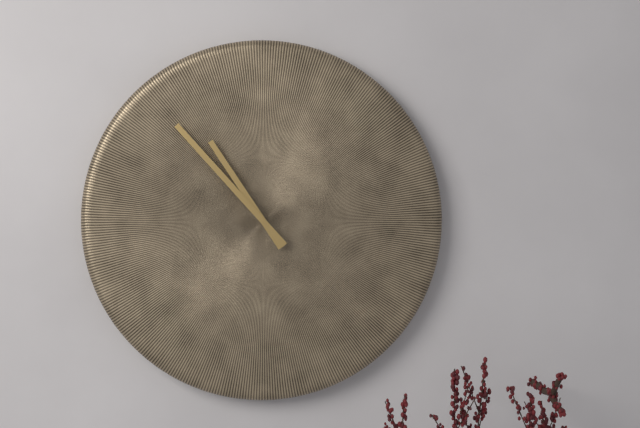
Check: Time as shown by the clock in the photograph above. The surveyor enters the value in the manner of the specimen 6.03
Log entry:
10.53
